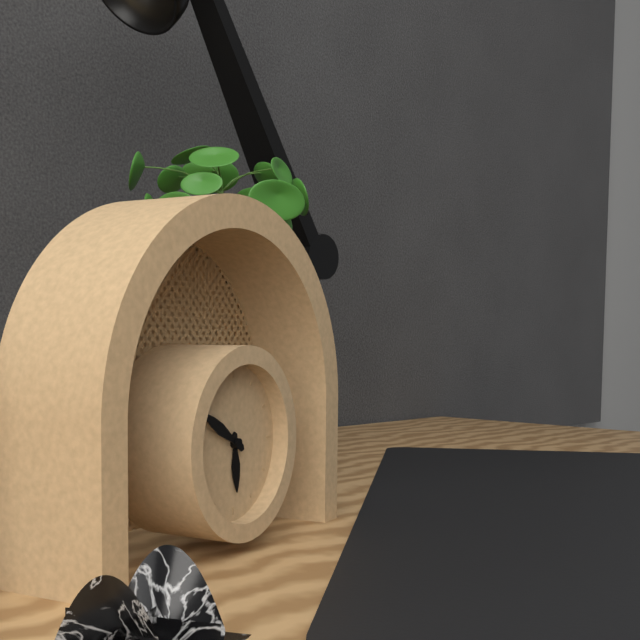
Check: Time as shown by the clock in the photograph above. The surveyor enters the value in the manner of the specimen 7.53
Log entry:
5.50
